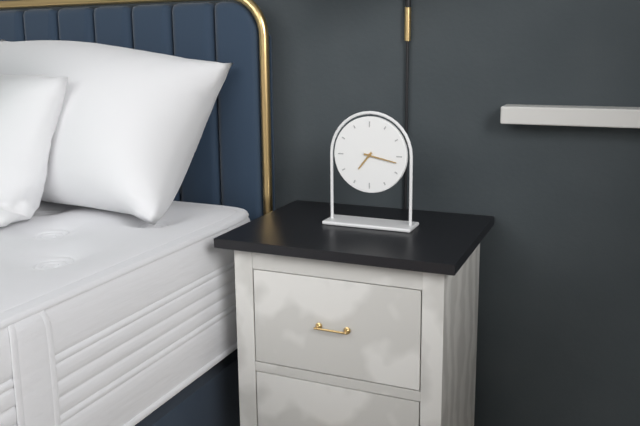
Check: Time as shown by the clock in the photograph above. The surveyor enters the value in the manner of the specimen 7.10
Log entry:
7.17
